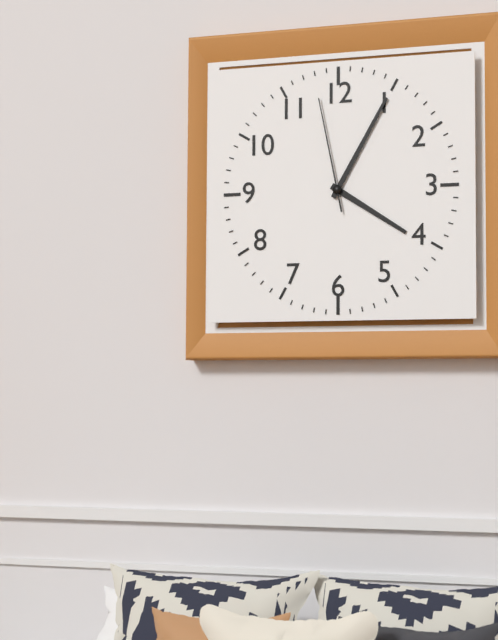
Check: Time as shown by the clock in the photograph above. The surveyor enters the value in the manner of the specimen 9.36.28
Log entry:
4.05.58
